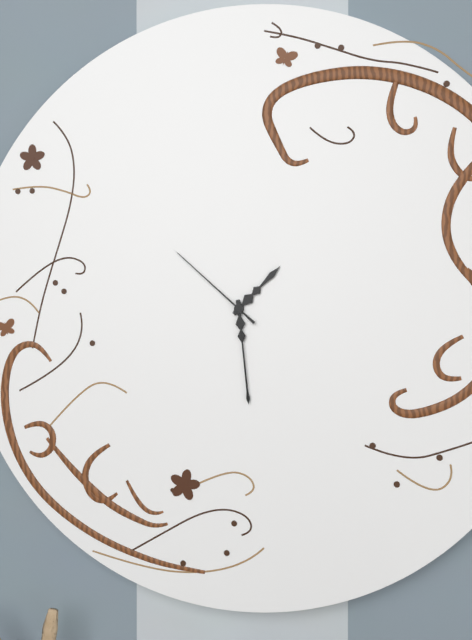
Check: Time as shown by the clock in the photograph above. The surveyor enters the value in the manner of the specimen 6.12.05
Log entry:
1.29.52
